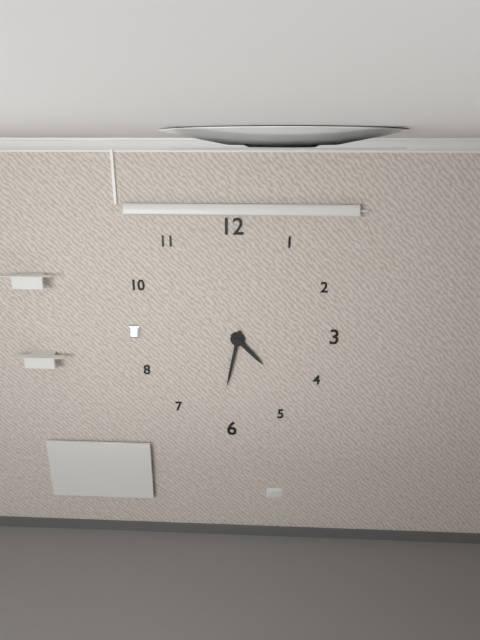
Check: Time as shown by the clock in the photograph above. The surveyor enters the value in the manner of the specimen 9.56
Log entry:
4.32
